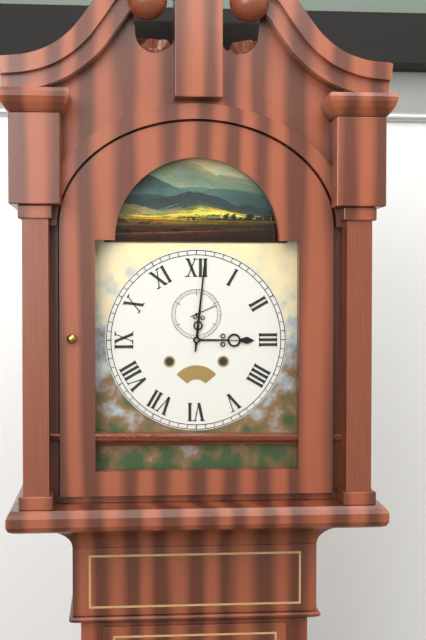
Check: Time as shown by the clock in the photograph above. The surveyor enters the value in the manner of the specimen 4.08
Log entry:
3.01
